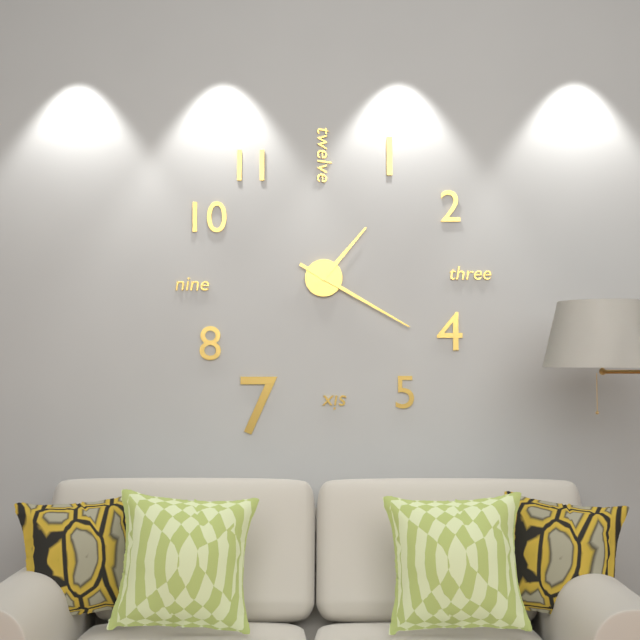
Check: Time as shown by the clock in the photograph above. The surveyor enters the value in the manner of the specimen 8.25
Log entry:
1.20
